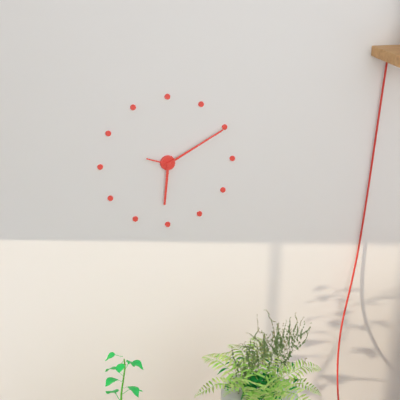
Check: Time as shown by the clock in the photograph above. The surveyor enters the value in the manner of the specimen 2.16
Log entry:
6.10
